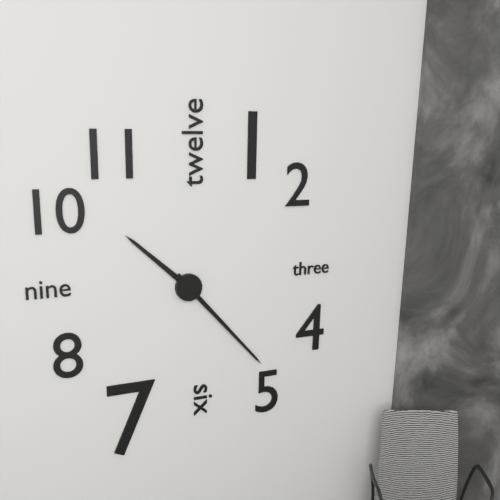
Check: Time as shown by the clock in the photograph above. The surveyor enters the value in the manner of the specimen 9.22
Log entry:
10.23
